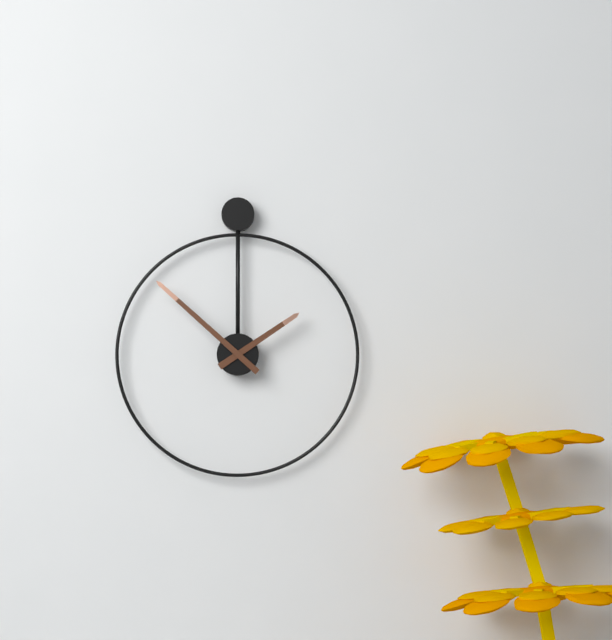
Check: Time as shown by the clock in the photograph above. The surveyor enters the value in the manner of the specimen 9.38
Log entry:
1.52
